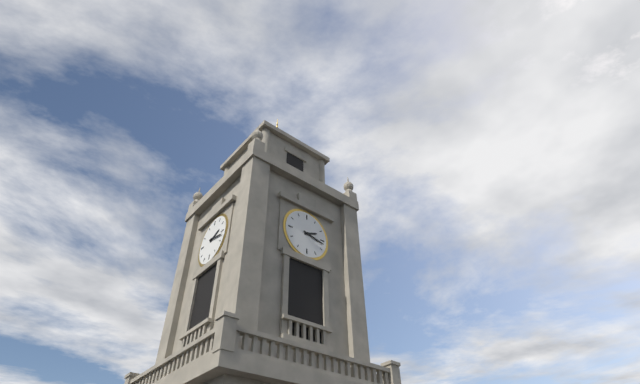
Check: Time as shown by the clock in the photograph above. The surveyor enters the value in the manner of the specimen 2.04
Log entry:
2.17
